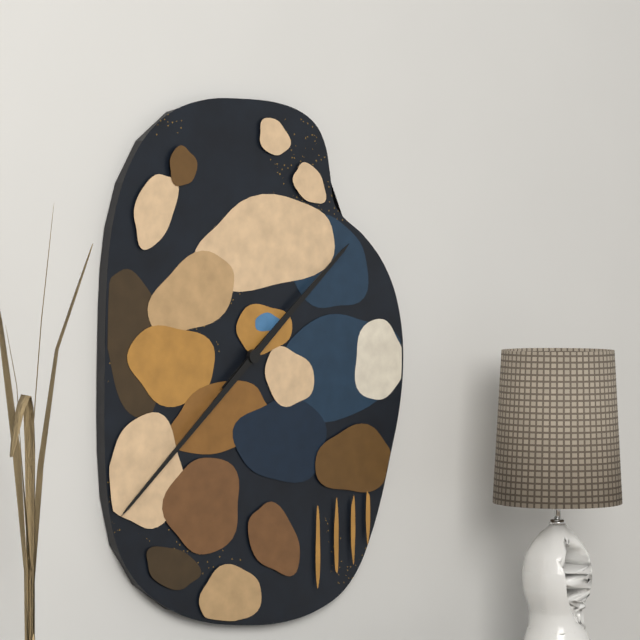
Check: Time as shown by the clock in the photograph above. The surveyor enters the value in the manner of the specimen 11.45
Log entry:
1.38
